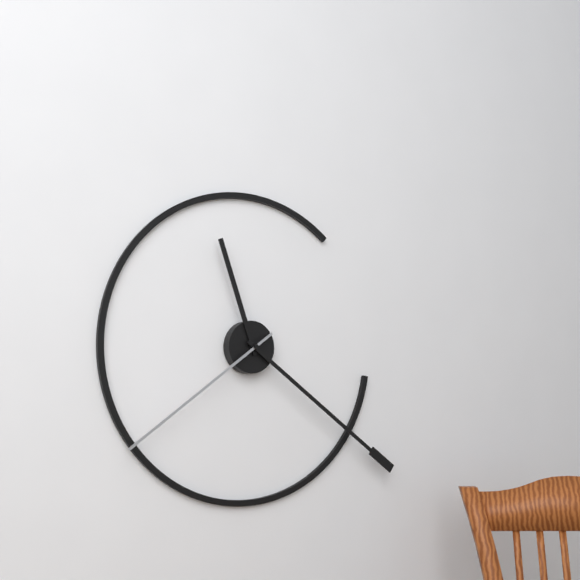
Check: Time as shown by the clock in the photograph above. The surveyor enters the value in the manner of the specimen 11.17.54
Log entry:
11.21.39
